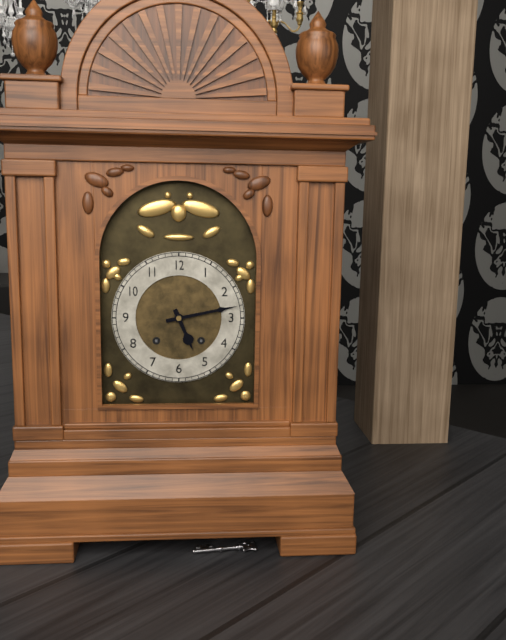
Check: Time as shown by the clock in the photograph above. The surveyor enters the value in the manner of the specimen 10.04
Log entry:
5.13
